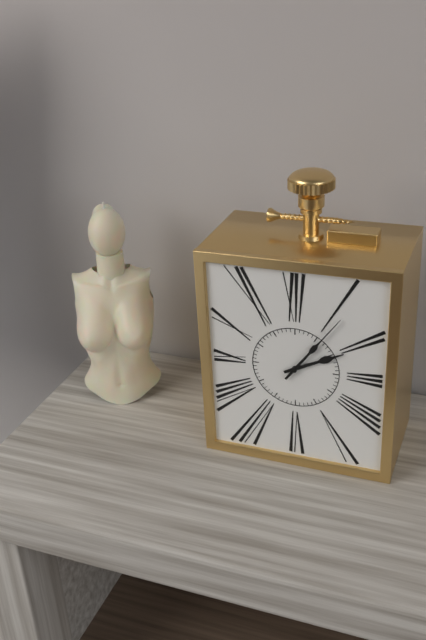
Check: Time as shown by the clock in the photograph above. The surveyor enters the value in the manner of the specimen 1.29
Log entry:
2.06
